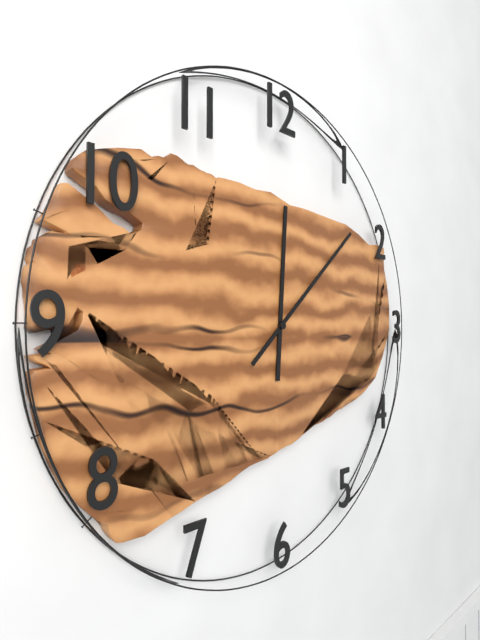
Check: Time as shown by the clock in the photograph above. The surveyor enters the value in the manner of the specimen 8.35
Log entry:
12.08
